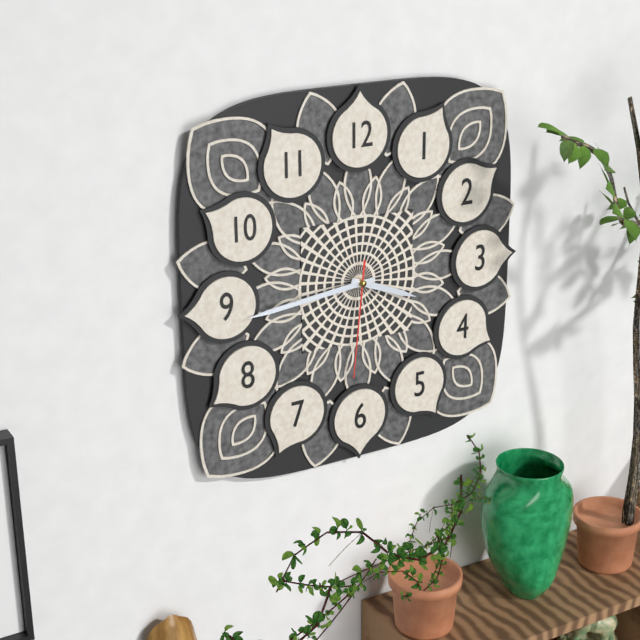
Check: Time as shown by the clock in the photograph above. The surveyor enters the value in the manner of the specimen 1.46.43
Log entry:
3.44.31
